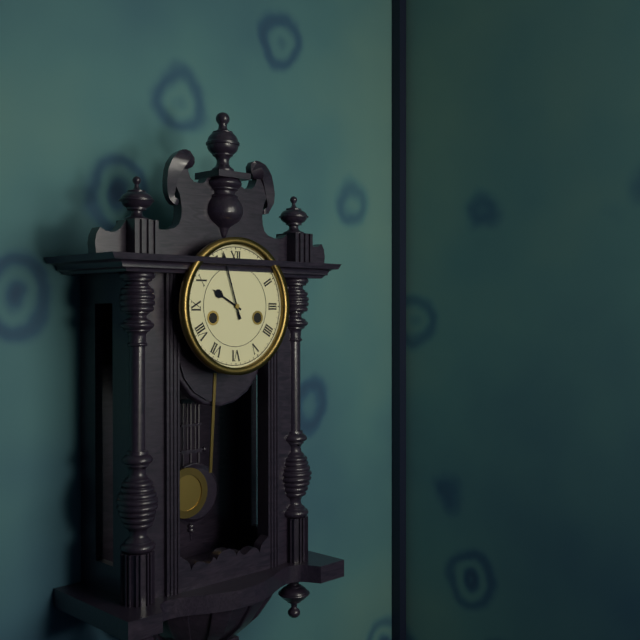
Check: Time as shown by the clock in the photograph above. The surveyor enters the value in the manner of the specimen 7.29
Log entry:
9.57
